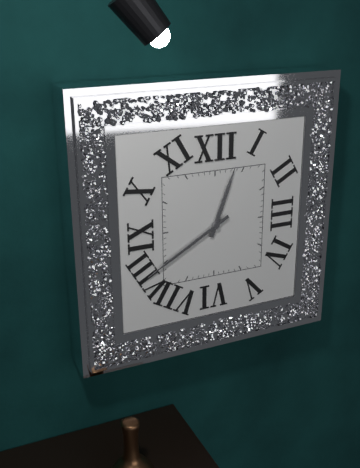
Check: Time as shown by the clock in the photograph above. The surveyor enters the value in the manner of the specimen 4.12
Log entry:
12.40
